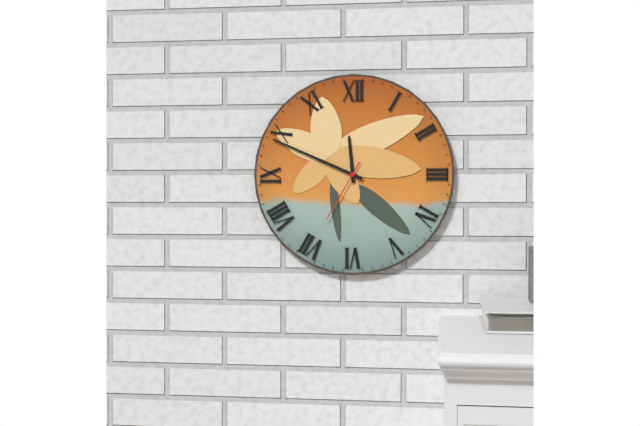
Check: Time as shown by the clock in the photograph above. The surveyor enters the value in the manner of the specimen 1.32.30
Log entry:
11.49.35
